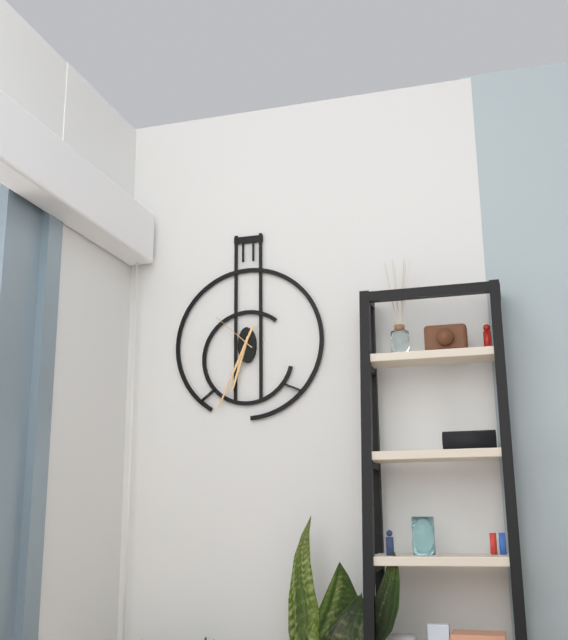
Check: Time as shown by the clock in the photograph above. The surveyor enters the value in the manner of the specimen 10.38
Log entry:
6.34
